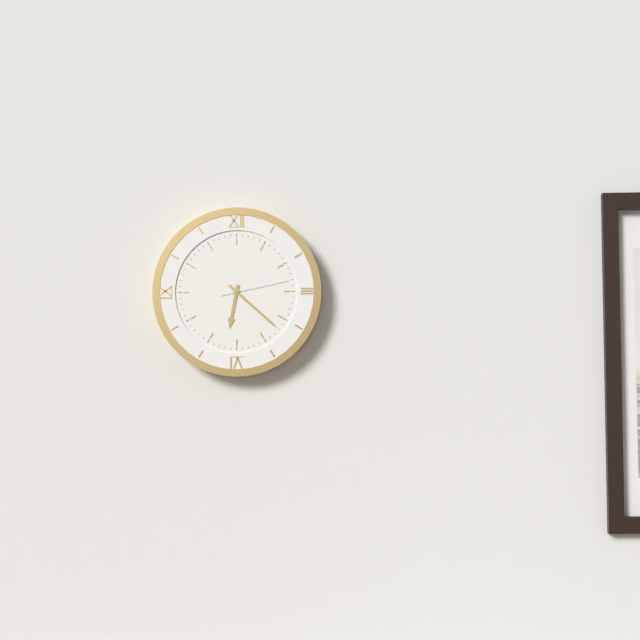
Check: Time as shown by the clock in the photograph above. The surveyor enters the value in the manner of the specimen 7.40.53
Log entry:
6.22.13
